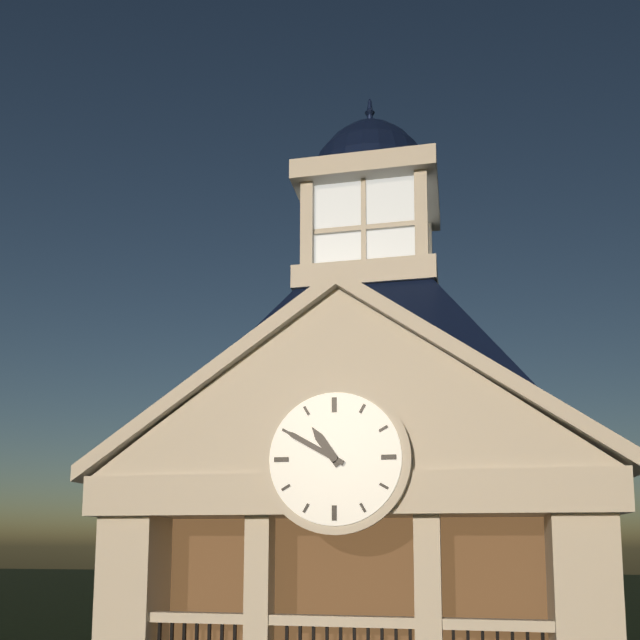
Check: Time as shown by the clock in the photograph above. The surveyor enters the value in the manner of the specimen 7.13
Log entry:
10.50
